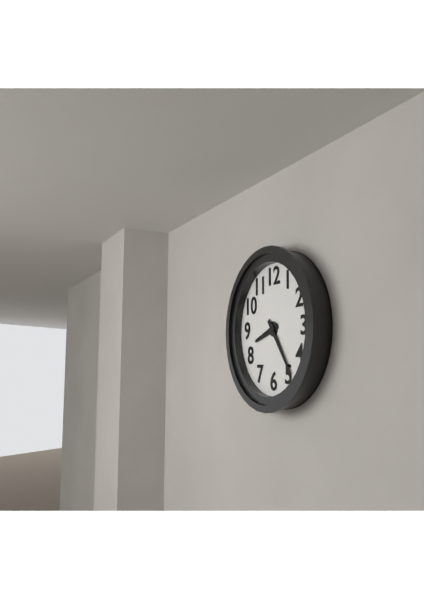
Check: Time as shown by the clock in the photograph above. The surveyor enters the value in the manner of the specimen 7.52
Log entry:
8.24
